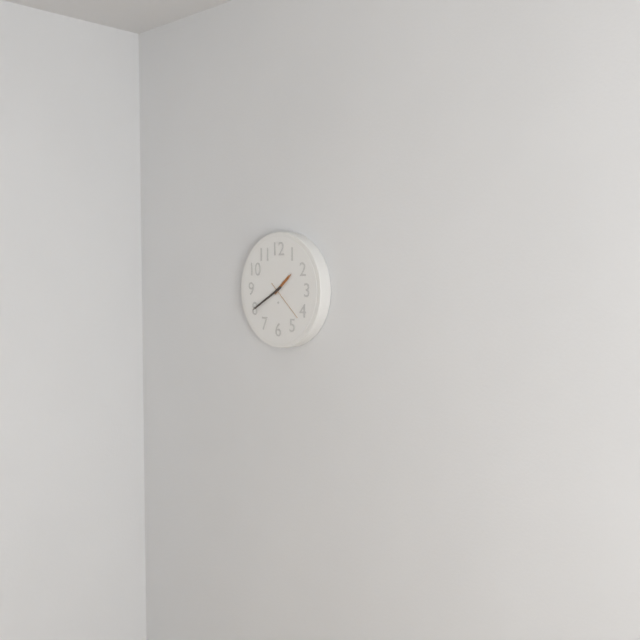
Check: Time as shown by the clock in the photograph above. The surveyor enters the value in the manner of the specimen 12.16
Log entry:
1.40
